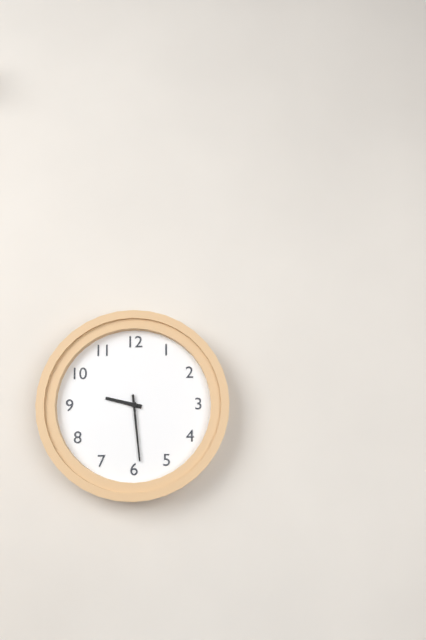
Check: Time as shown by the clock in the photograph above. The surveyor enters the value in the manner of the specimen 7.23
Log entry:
9.29
